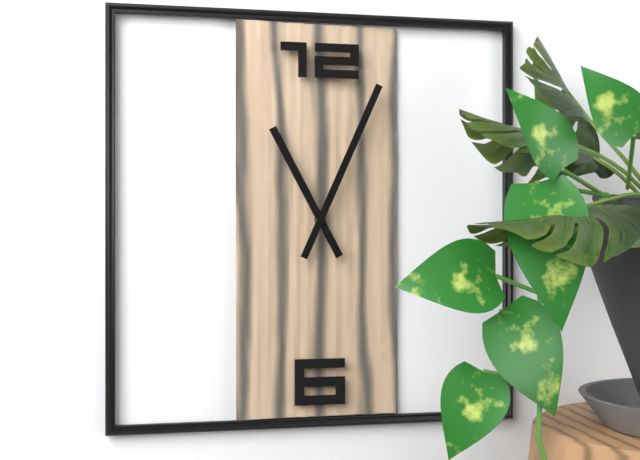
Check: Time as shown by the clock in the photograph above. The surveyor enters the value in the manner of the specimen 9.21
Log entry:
11.04
